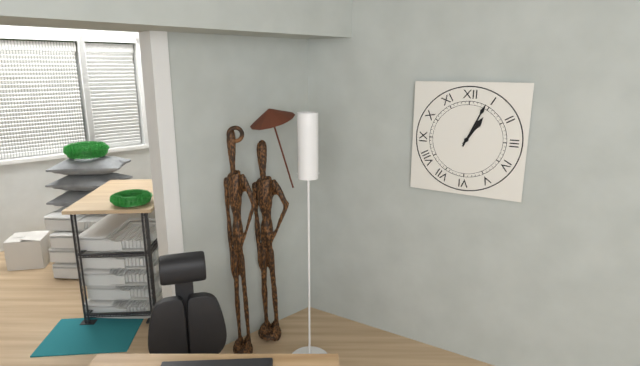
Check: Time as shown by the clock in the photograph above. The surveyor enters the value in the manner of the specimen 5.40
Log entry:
1.04
